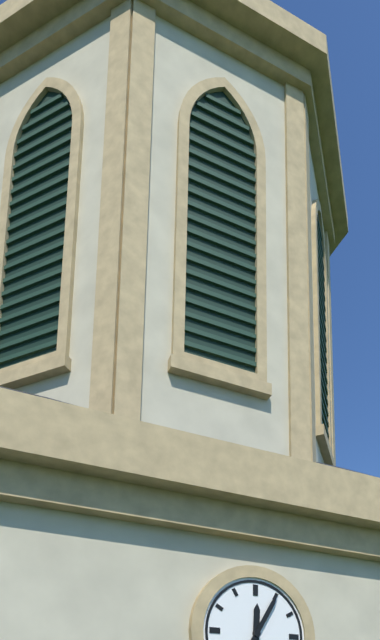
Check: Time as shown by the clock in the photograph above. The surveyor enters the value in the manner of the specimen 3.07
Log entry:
12.05
